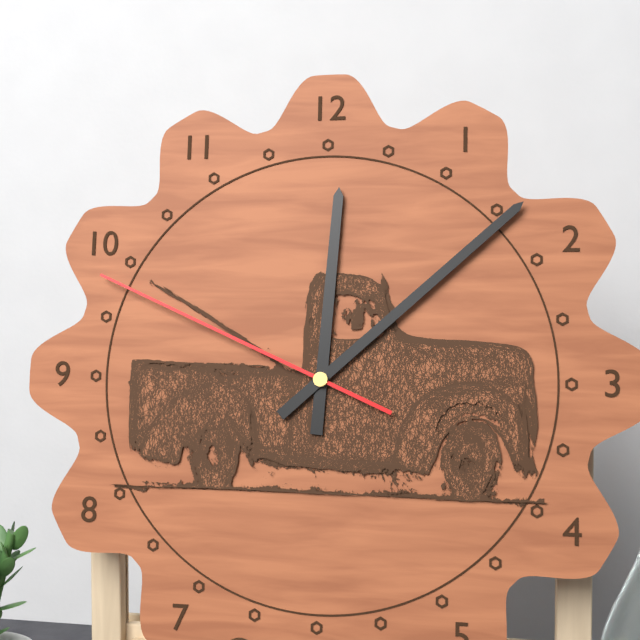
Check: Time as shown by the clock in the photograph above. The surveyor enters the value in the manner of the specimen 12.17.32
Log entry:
12.08.49
